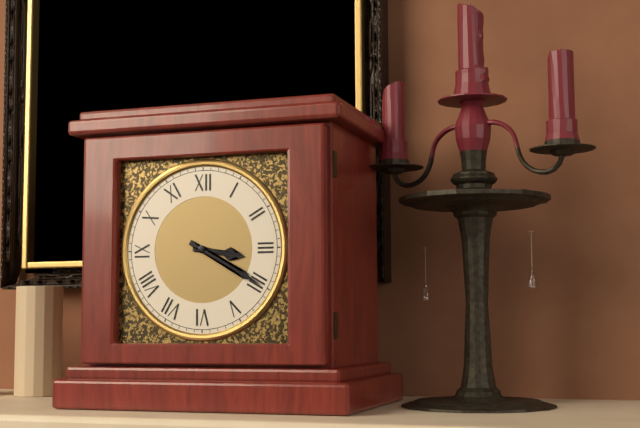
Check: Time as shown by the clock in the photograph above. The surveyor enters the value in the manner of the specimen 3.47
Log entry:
3.20
